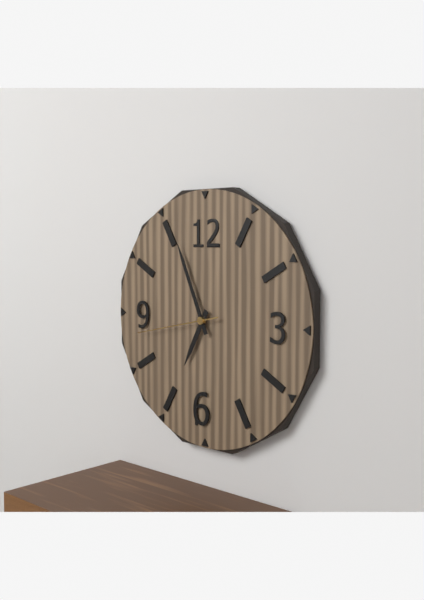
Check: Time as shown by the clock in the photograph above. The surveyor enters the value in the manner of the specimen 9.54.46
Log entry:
6.56.43
